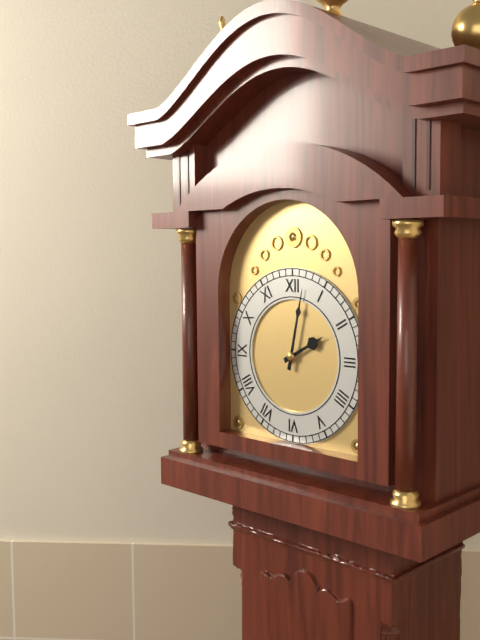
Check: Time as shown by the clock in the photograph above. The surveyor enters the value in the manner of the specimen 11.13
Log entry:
2.02
